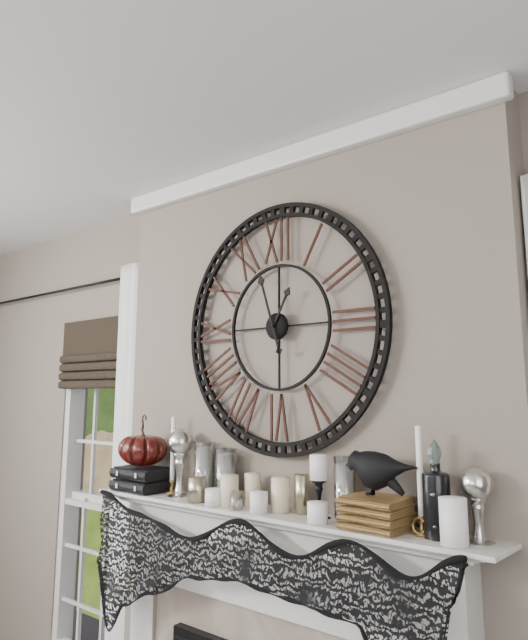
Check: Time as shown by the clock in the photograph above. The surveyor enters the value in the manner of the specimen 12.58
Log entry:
12.57
